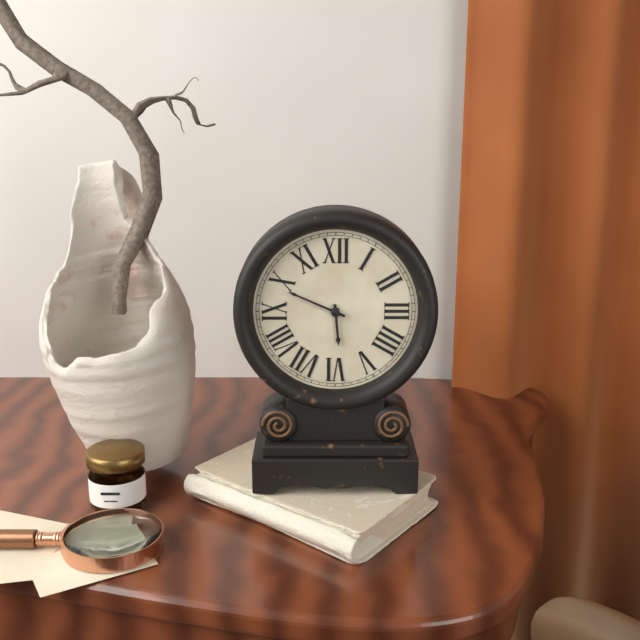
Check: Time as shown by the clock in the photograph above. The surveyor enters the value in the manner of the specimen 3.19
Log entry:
5.49
